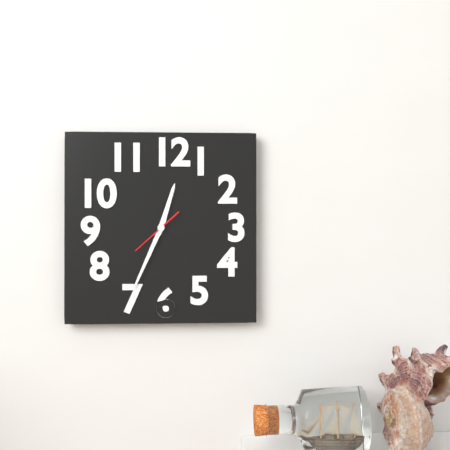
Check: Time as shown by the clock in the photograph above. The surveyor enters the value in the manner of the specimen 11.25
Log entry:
12.34
